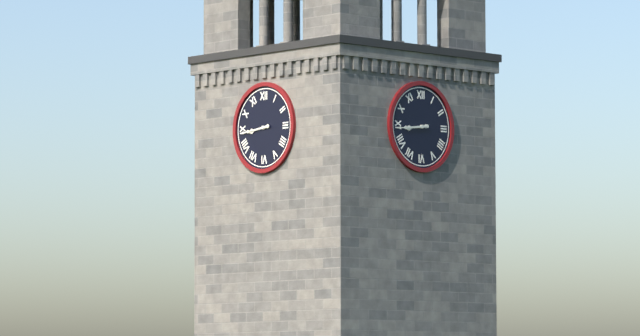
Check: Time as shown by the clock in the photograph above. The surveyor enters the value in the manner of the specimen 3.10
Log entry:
8.44
